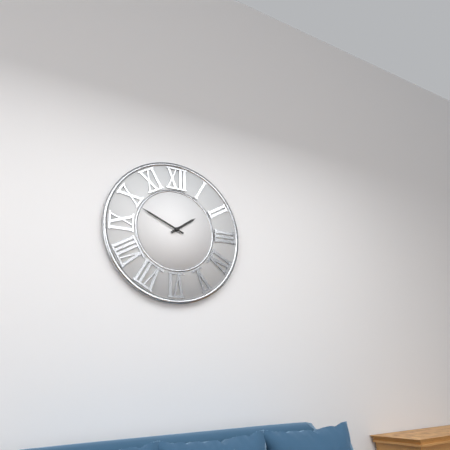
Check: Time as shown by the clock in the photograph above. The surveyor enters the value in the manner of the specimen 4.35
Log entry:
1.49
